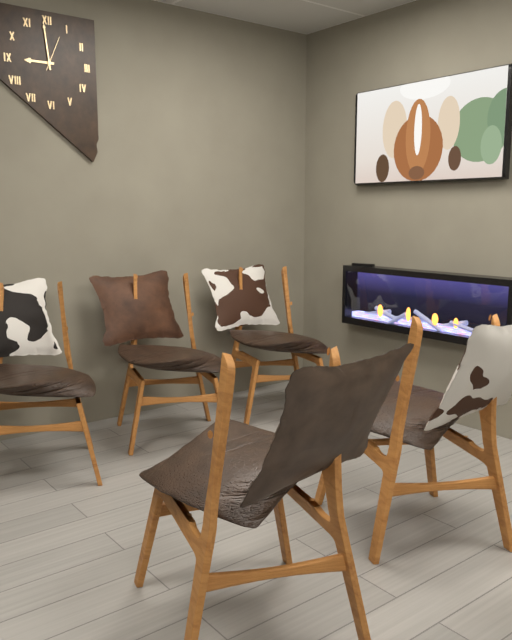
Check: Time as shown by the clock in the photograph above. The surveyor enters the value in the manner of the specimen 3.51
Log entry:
8.59
